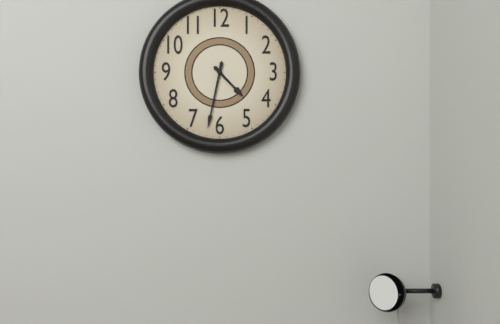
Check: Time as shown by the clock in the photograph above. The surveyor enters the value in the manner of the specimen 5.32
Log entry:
4.32
